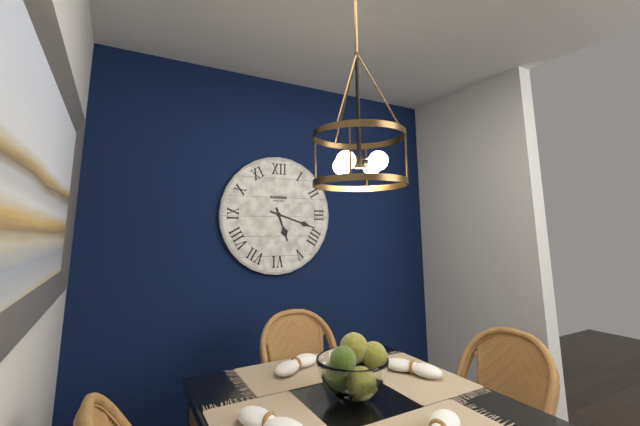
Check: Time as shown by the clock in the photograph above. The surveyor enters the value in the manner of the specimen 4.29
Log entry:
5.18
